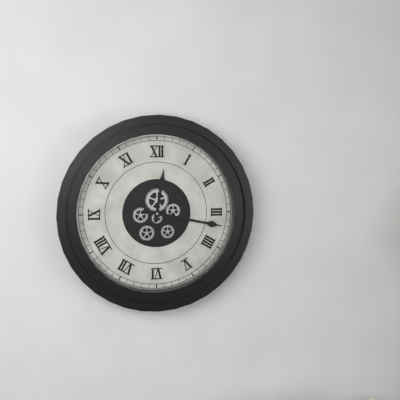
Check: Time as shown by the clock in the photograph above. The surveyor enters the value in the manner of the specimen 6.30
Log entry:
12.17
